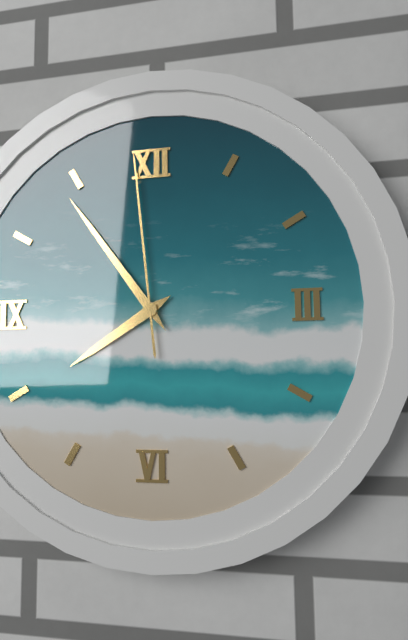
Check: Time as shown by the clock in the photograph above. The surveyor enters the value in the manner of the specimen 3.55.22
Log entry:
7.54.59
